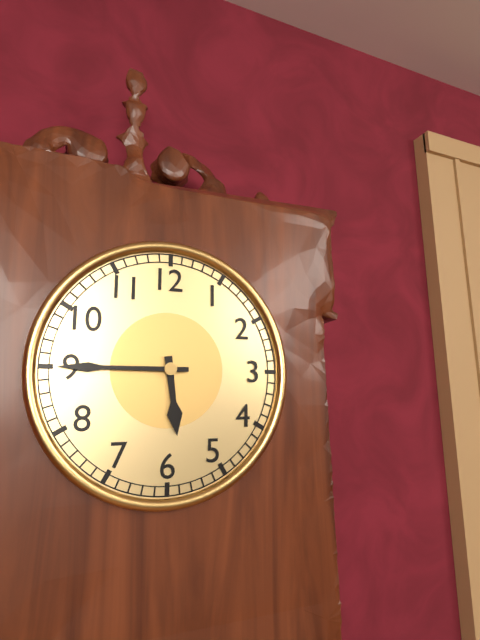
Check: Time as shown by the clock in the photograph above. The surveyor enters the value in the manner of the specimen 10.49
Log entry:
5.45
